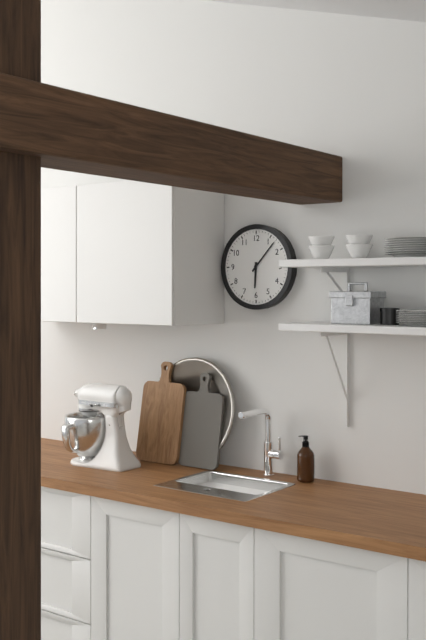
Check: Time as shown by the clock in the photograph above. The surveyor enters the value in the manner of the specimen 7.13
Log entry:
6.07
